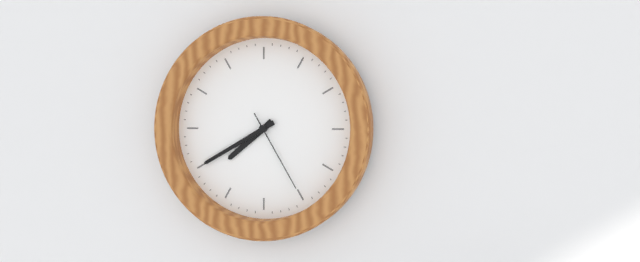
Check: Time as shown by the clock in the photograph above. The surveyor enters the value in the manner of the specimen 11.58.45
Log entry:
7.40.25
